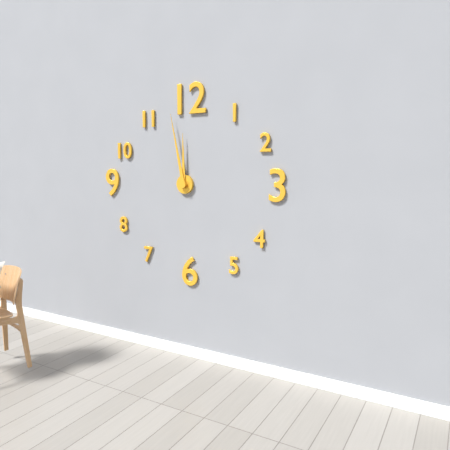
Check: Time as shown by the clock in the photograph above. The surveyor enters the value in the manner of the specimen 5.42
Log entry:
11.58
